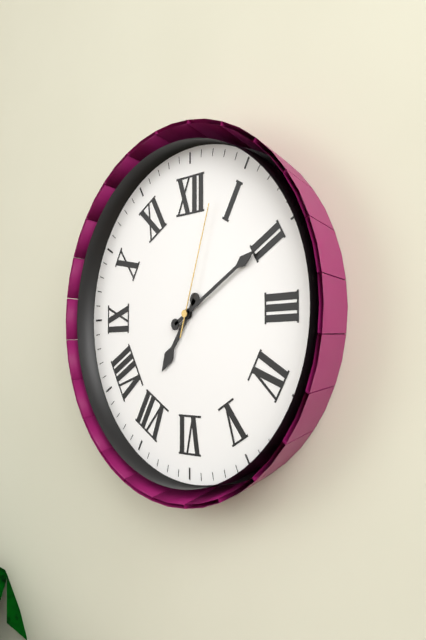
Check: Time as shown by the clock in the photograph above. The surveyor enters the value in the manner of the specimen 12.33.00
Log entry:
7.10.03
